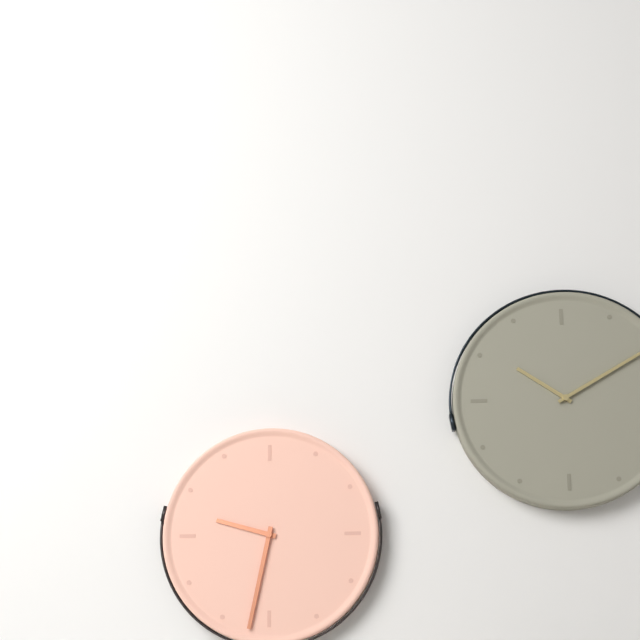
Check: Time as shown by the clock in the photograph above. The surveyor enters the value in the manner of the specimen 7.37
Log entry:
9.32
